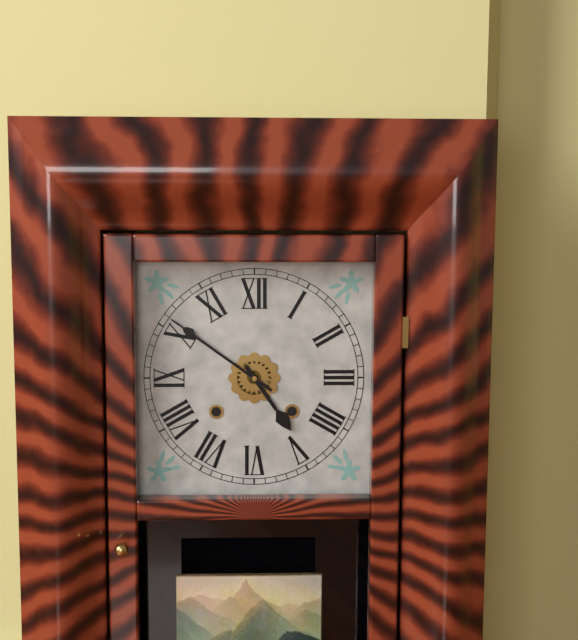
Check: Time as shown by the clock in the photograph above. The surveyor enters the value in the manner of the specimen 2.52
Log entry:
4.51
